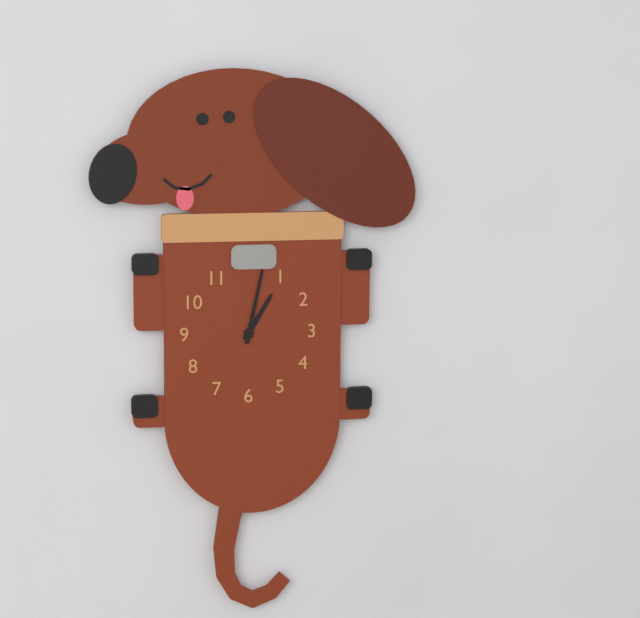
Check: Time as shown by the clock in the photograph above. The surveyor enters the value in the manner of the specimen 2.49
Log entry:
1.02
